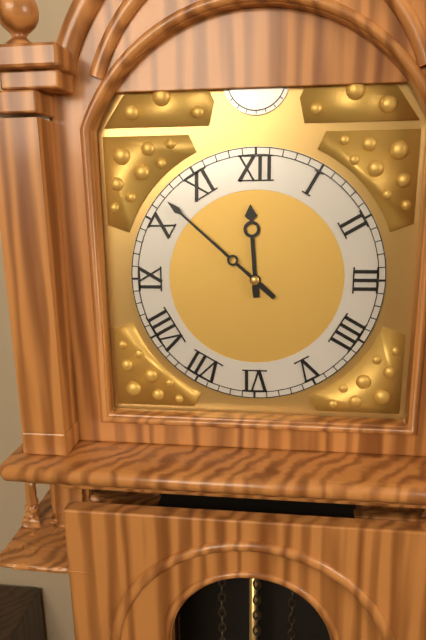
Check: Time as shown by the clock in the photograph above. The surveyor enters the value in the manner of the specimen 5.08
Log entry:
11.52
